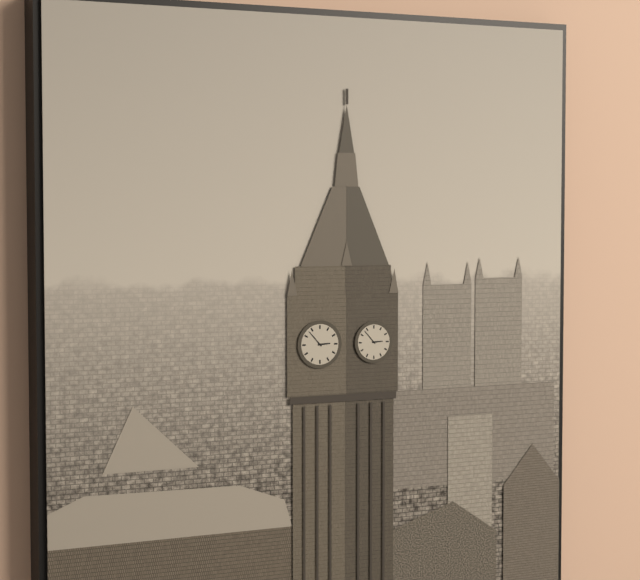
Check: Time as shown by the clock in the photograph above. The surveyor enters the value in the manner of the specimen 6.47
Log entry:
2.53
